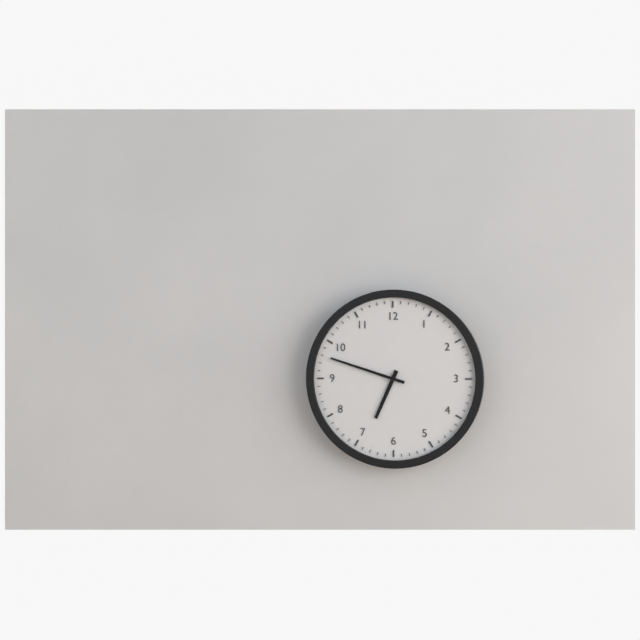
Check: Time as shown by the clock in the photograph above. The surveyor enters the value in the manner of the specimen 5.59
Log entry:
6.48
